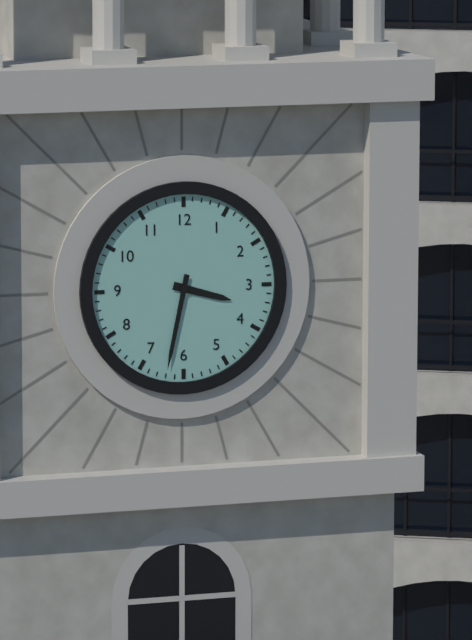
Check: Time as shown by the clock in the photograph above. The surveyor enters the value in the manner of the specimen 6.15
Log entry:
3.32
